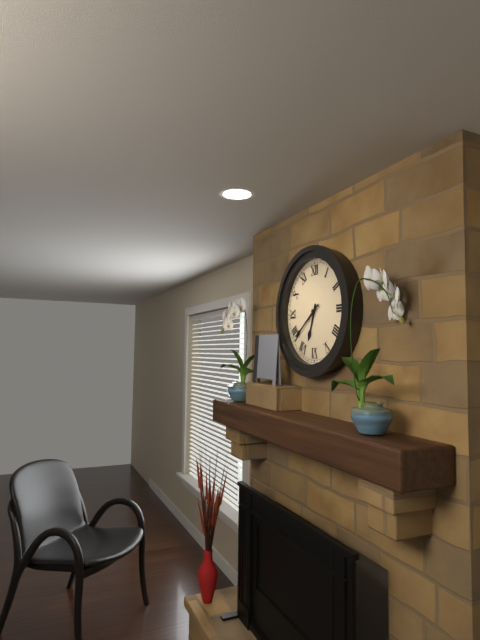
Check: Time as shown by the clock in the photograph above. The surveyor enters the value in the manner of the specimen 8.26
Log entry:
6.39
